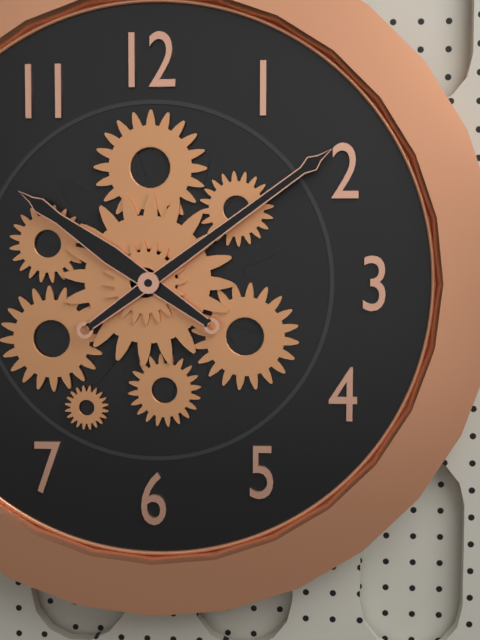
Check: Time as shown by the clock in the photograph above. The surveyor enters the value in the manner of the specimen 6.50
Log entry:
10.09
